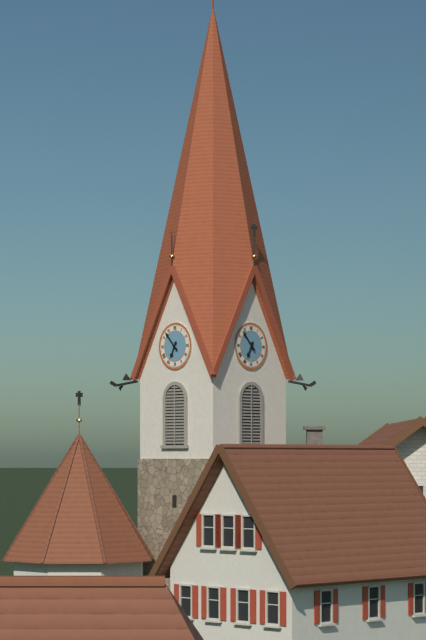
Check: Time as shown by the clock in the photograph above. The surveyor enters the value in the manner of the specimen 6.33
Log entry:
6.53
